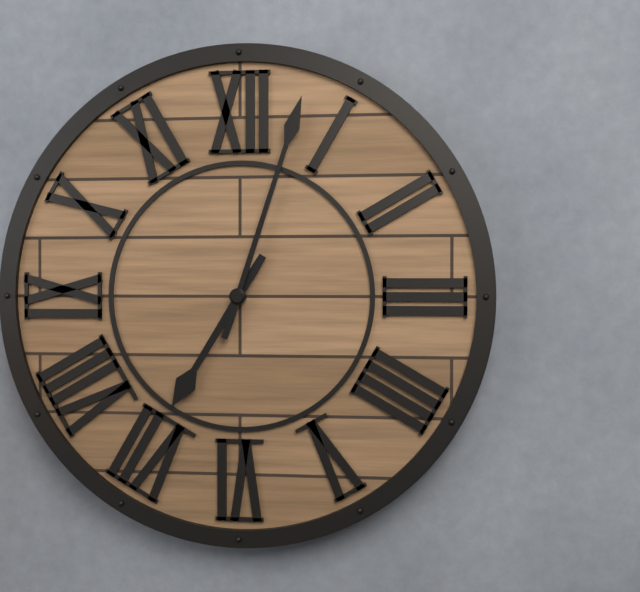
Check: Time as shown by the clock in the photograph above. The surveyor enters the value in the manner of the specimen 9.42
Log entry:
7.03
